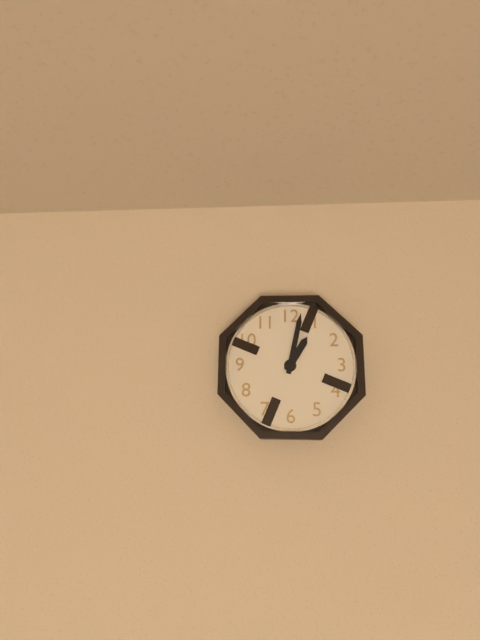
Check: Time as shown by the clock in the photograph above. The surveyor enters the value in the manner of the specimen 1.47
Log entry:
1.02
